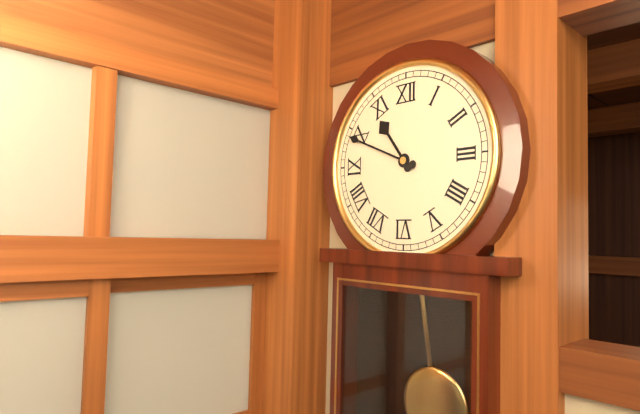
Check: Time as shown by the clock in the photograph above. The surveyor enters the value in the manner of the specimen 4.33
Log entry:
10.49
